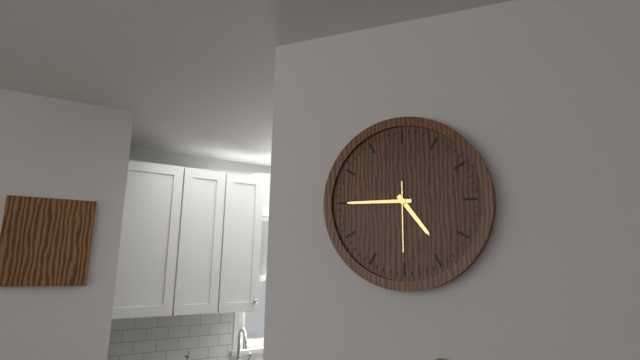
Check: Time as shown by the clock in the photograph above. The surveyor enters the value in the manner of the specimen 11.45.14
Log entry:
4.45.30
